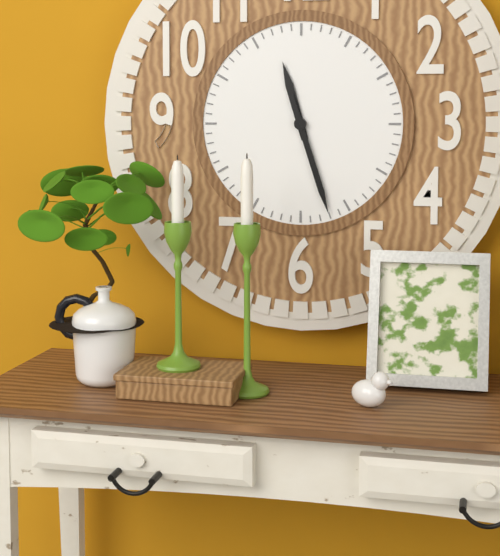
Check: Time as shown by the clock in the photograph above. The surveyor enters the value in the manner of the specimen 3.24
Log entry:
11.27
